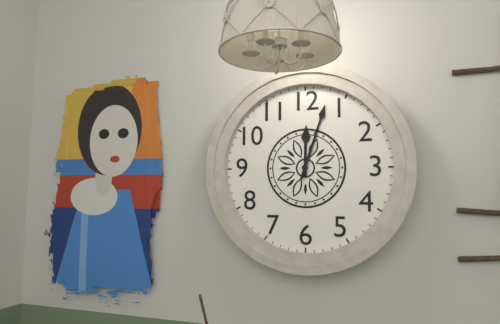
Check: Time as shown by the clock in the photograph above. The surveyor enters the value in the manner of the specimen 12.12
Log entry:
12.03
